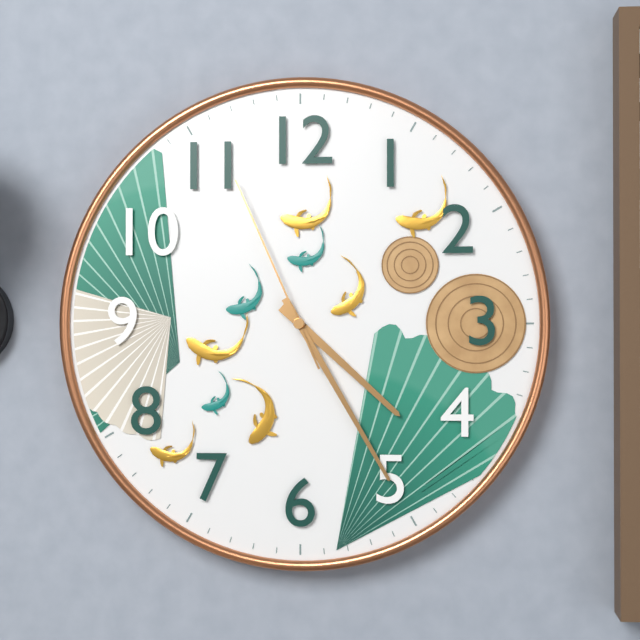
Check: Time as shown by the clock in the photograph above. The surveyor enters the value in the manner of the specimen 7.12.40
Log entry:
4.25.56
